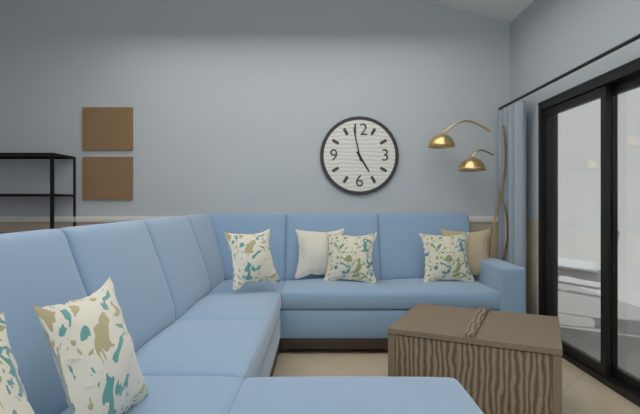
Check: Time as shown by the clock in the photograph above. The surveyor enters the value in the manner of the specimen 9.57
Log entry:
4.58
